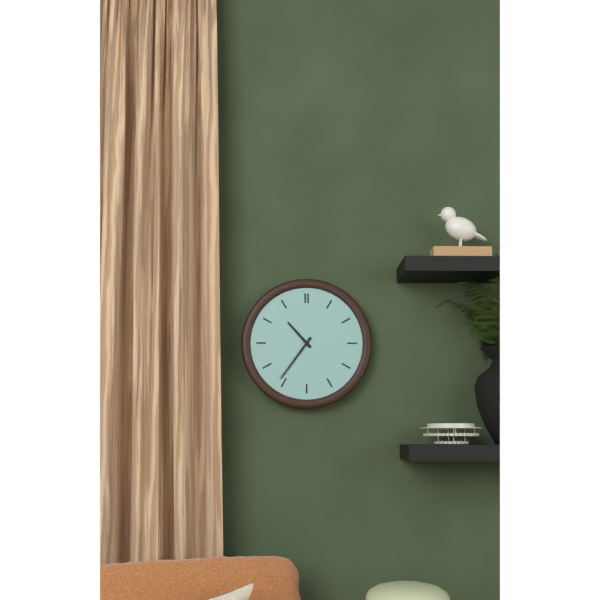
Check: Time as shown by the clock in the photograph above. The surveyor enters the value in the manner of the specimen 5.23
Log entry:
10.36
